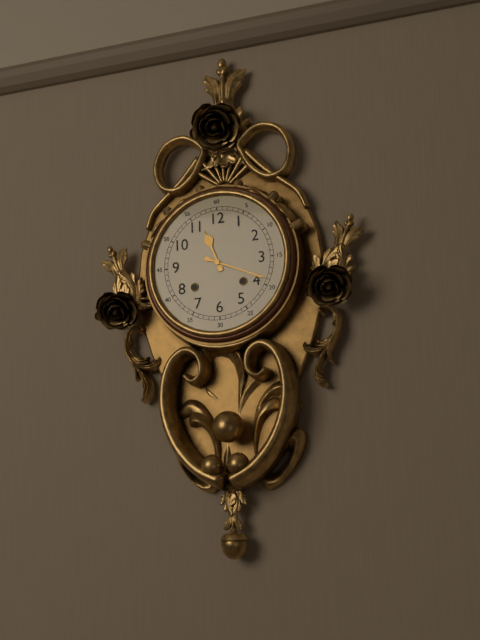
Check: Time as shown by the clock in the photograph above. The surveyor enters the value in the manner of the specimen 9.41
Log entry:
11.19
